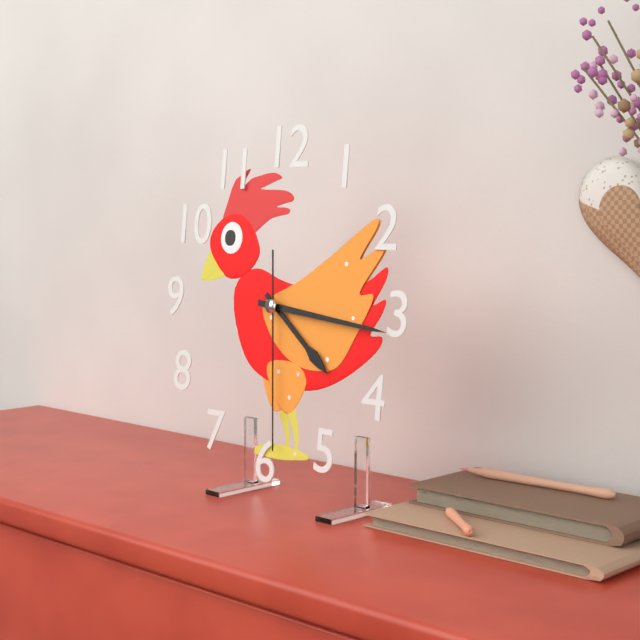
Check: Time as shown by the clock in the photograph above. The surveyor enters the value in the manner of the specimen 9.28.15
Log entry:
4.16.29
